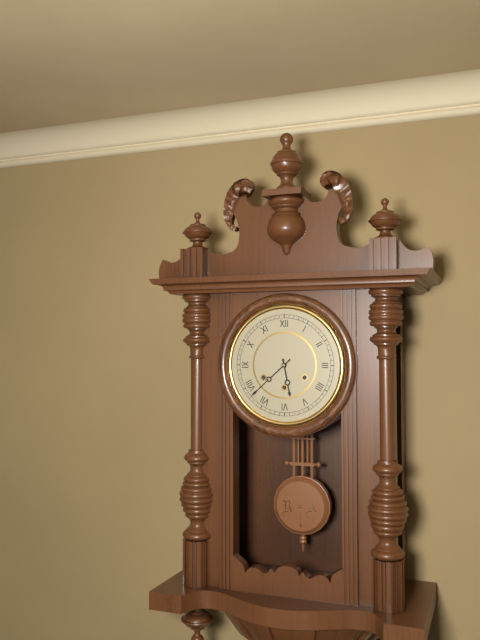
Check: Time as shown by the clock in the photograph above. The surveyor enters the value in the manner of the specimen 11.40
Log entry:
5.38
